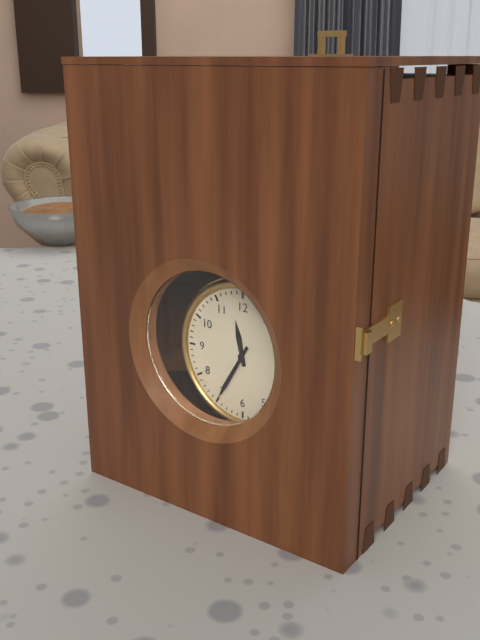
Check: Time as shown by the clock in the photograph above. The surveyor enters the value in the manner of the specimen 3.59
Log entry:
11.35
